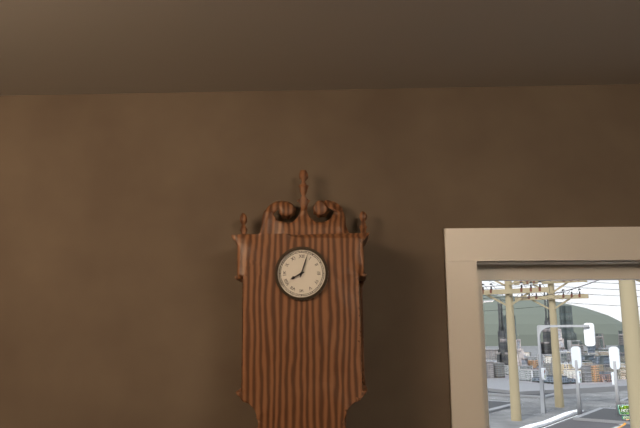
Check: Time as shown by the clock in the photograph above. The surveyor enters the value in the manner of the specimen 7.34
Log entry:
8.03
